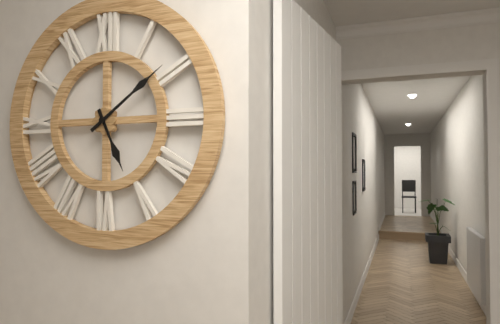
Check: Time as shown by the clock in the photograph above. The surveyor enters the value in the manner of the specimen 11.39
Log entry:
5.09
